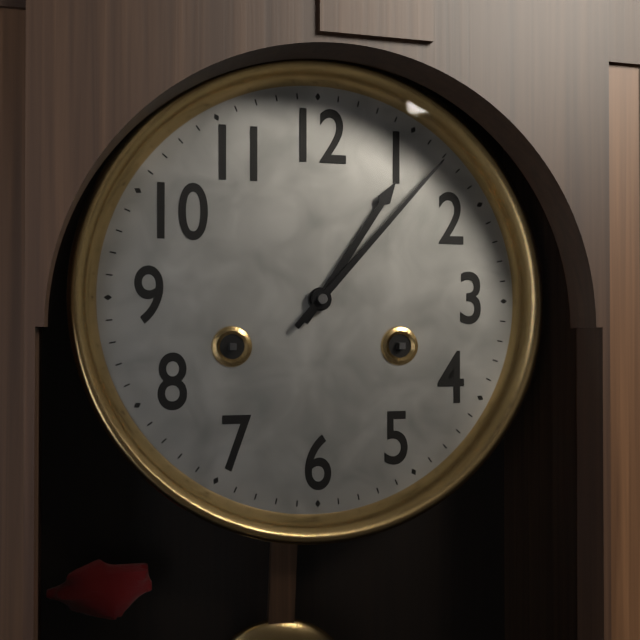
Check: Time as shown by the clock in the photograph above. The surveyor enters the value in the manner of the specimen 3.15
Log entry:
1.07
